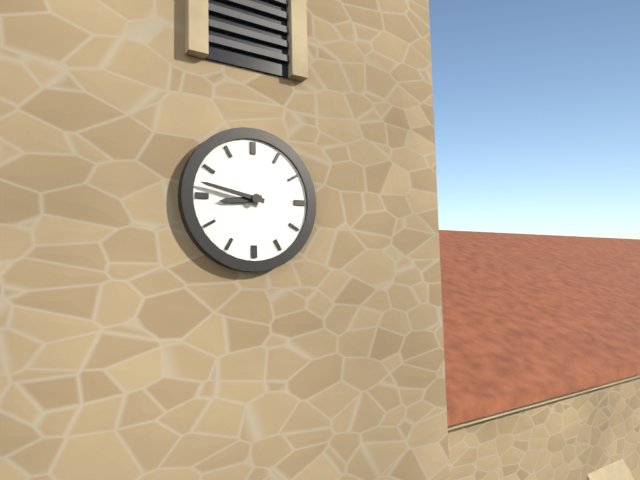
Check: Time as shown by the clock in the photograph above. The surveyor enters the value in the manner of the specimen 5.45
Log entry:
8.47
